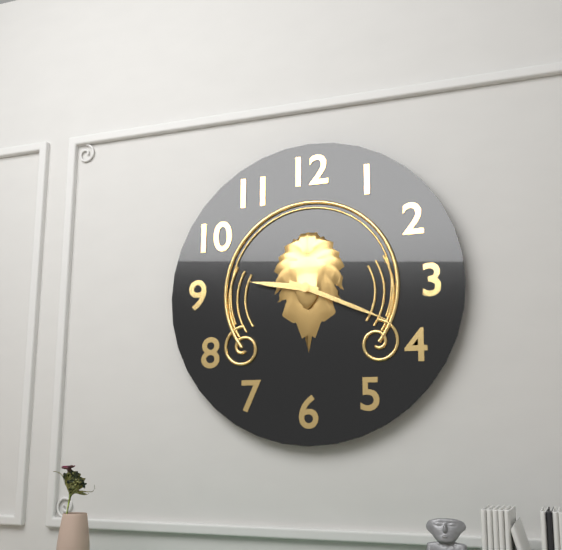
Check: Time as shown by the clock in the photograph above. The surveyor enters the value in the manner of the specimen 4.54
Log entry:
9.19
